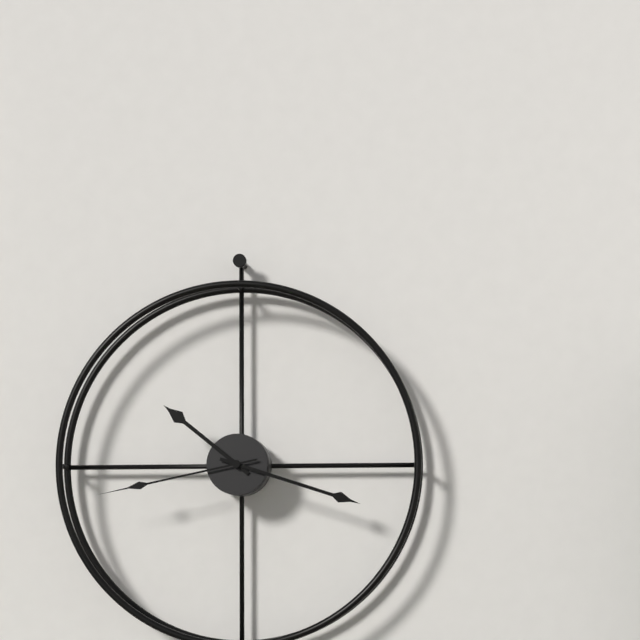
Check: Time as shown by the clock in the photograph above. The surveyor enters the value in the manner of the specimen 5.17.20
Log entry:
10.18.43
